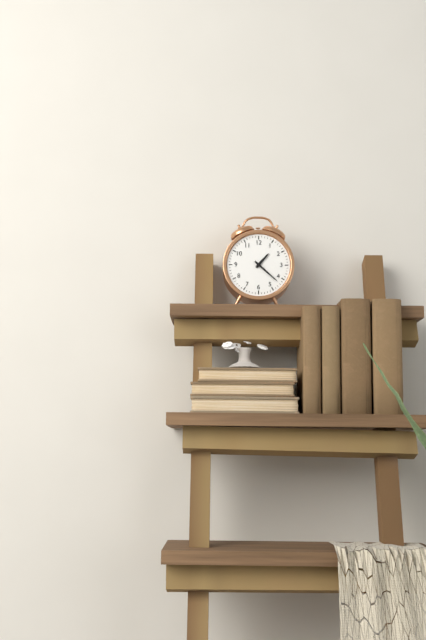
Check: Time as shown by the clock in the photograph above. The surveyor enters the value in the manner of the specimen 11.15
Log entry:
1.22
